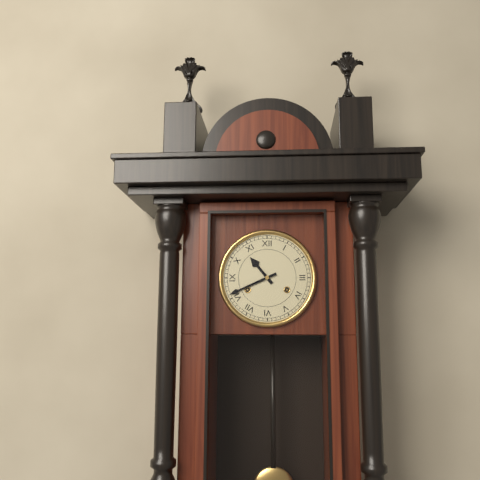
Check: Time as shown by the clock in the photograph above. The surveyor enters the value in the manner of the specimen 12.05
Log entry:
10.41
